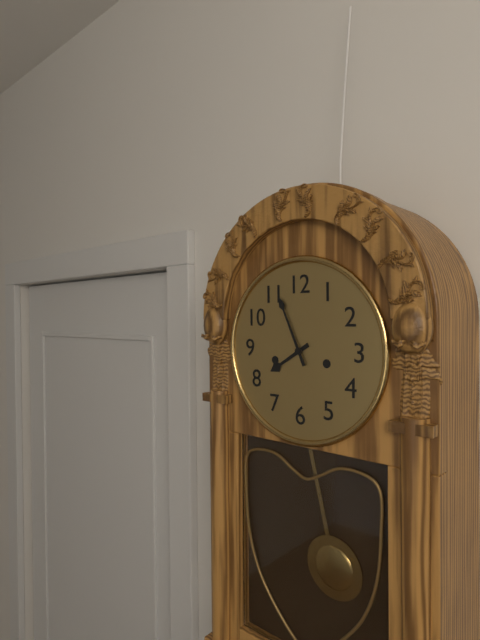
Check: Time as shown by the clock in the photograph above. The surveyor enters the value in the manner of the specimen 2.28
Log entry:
7.56
